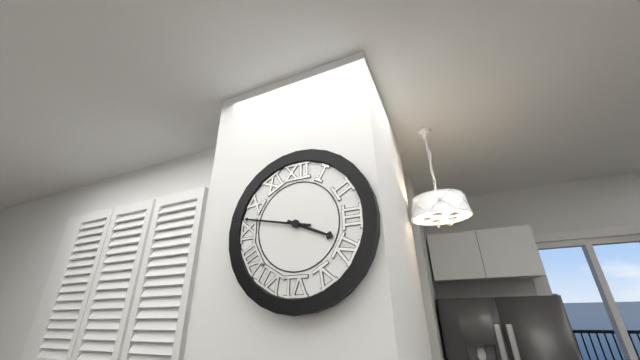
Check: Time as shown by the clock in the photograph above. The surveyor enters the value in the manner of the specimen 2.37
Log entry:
3.47
